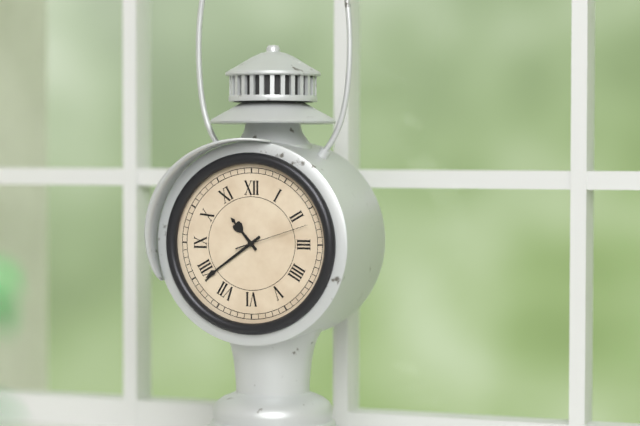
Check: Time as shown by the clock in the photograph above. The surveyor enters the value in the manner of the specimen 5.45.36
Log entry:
10.39.12
